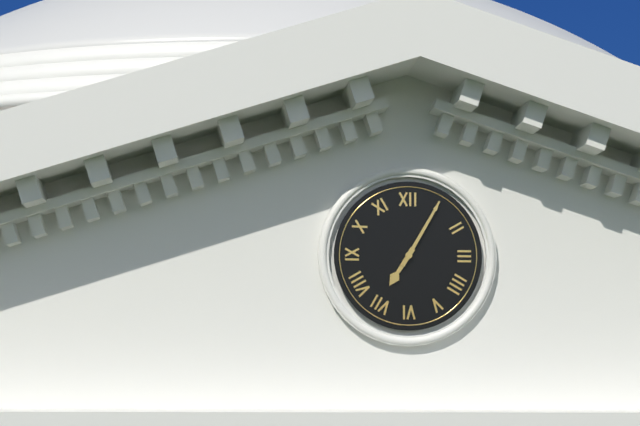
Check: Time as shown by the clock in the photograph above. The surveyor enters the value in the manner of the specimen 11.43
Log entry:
7.05
